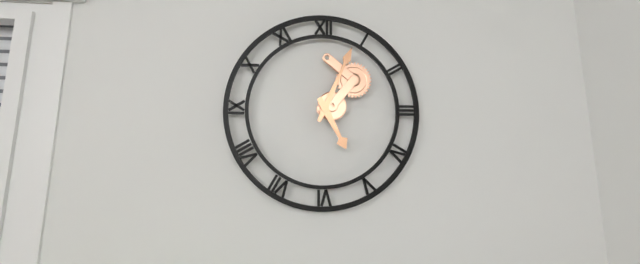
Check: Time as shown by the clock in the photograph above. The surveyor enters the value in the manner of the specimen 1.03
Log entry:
5.04
